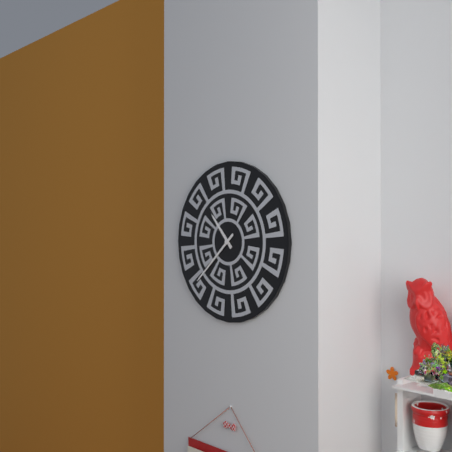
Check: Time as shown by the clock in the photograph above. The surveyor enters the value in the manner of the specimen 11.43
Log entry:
10.38
